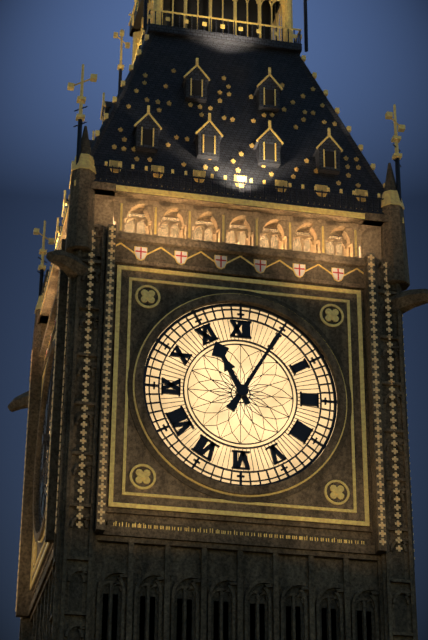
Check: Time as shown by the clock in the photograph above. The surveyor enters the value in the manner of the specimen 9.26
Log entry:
11.05
